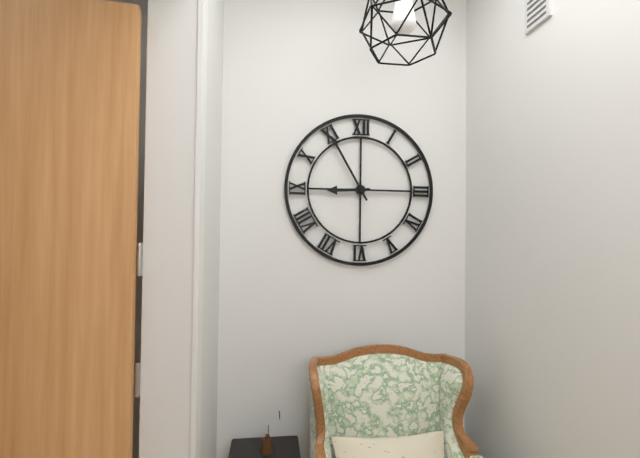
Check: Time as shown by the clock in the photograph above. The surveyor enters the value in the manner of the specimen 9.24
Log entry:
8.55
